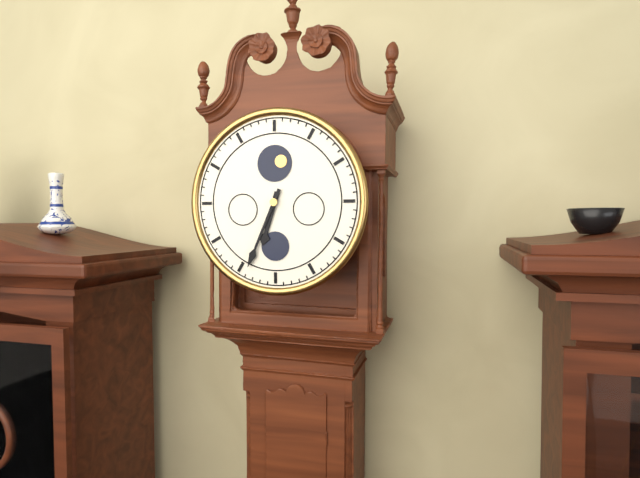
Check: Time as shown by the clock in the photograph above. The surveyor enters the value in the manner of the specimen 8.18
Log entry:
6.34
